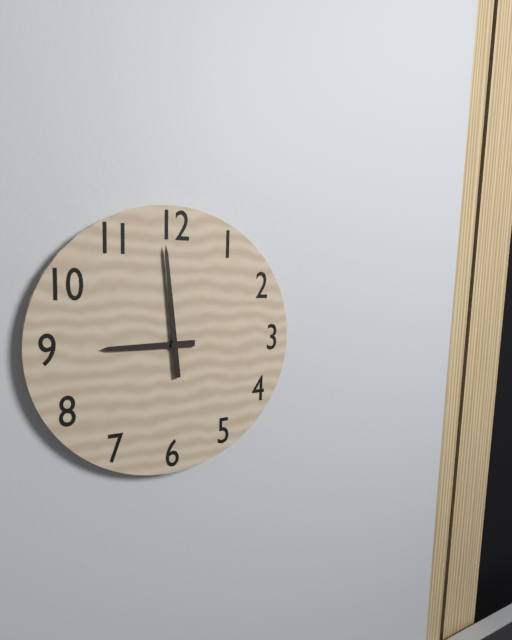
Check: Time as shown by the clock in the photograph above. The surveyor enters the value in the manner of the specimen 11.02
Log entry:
8.59
